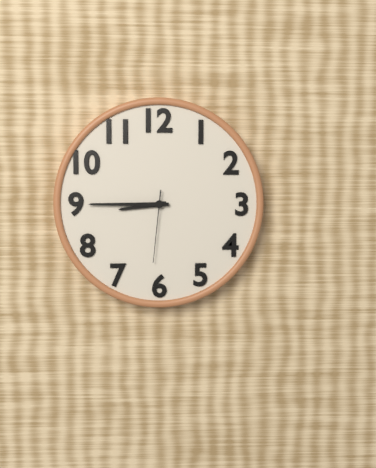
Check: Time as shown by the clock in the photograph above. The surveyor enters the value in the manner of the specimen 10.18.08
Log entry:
8.45.31
